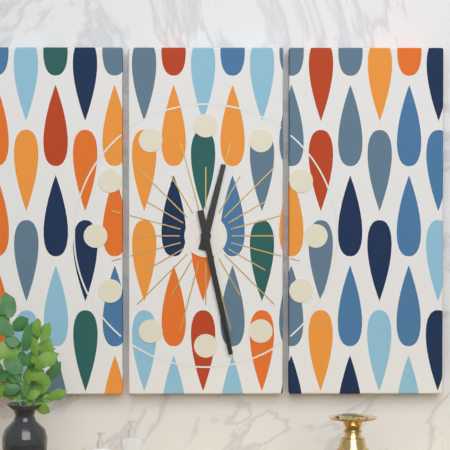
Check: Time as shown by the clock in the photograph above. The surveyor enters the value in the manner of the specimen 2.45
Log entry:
12.28
